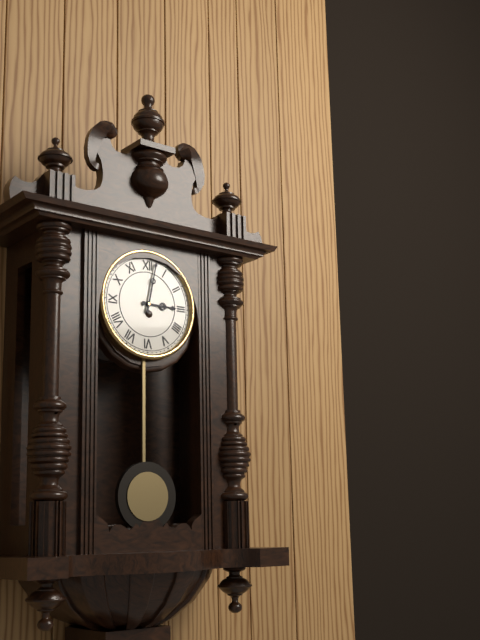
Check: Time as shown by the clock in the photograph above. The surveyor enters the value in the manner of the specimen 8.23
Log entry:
3.02
